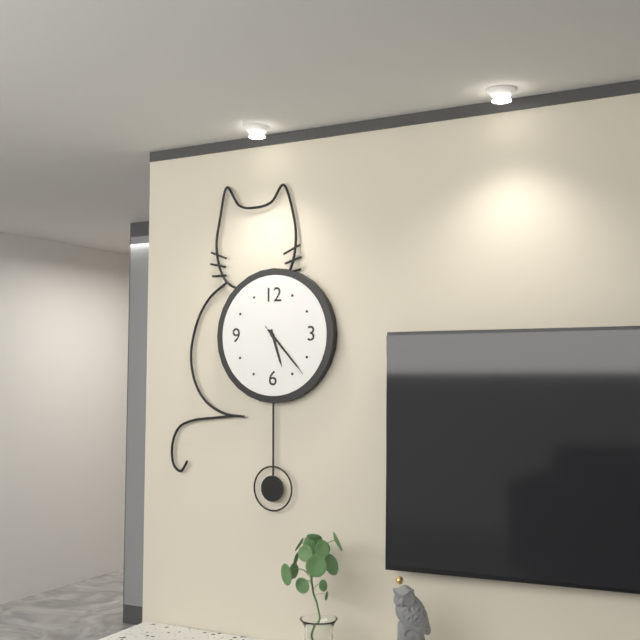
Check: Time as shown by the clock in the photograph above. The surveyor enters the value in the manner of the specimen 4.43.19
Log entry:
5.23.23
